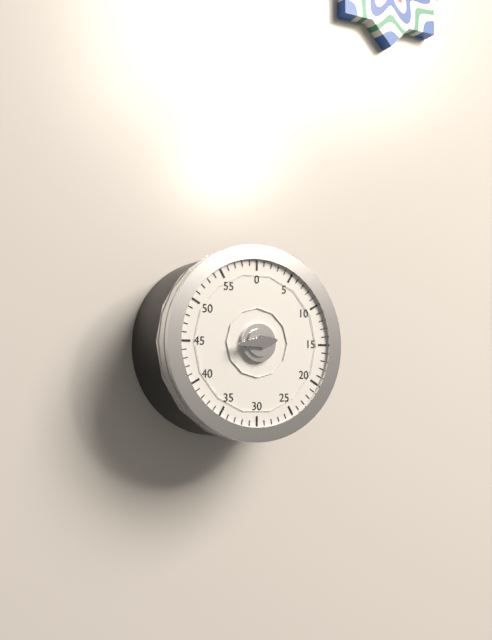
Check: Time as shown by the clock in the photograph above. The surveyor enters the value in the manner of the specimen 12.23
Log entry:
2.44
